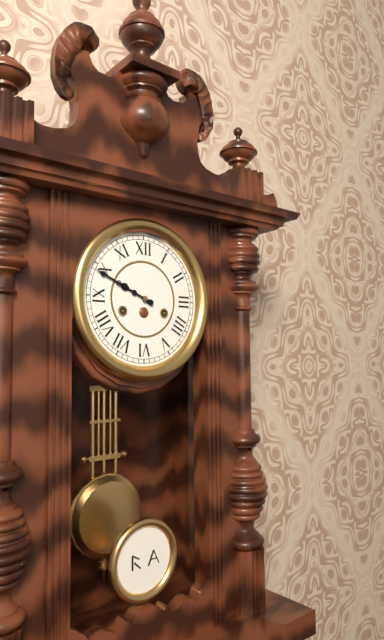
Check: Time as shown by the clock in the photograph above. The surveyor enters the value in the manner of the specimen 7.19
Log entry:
9.49
